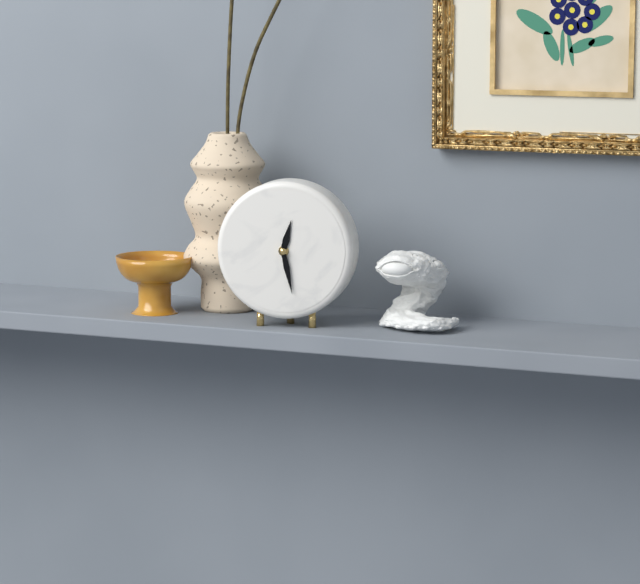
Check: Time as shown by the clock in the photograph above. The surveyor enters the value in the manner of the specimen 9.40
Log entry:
12.28
